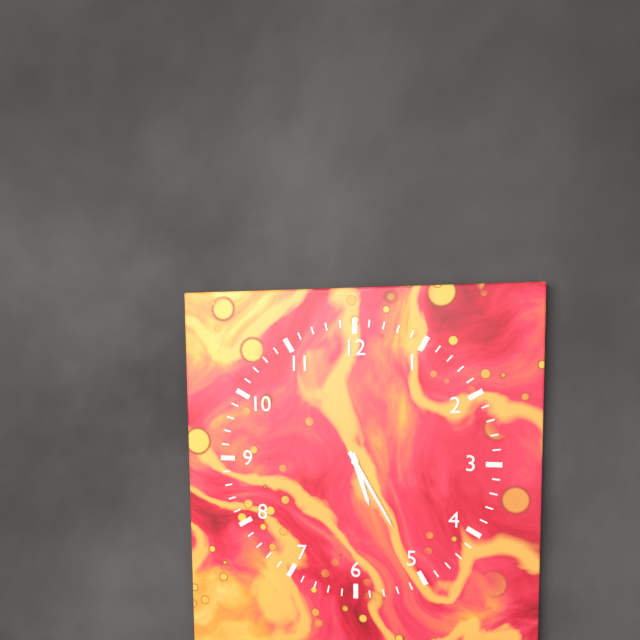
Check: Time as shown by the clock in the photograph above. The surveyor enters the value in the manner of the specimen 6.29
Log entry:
5.25
